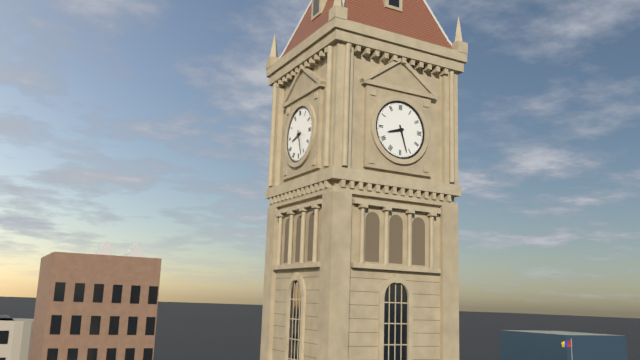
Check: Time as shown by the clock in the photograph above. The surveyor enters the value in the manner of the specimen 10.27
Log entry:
8.27
